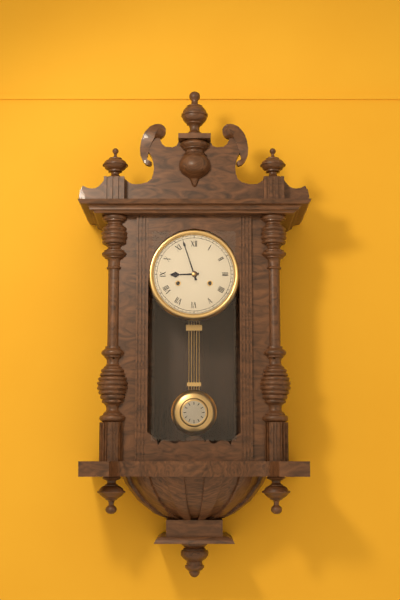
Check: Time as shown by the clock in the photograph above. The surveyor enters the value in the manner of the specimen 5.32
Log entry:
8.57
